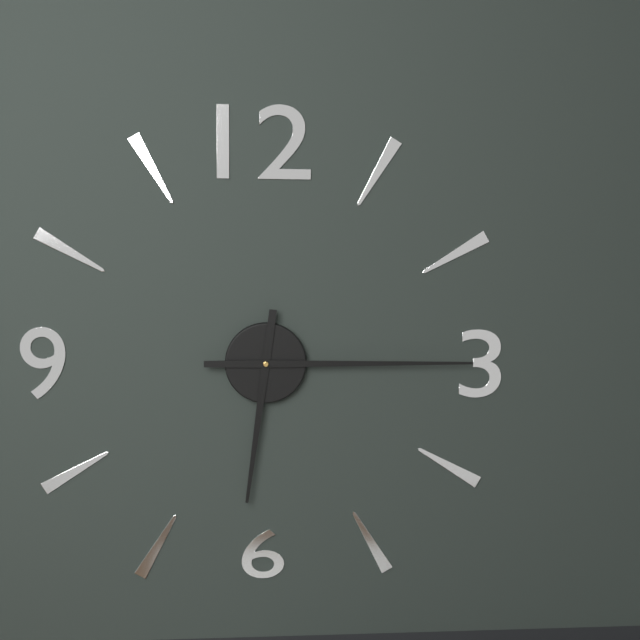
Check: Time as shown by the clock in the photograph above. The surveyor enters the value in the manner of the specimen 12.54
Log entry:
6.15
